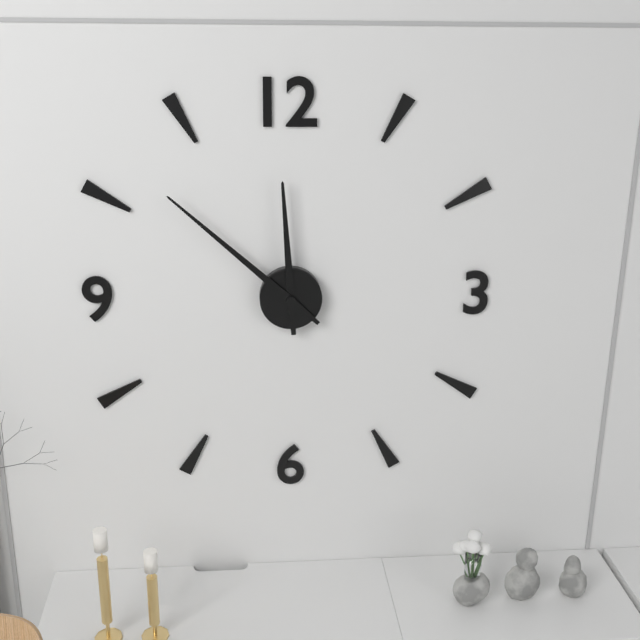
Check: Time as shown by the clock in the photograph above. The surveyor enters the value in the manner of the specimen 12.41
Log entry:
11.52
